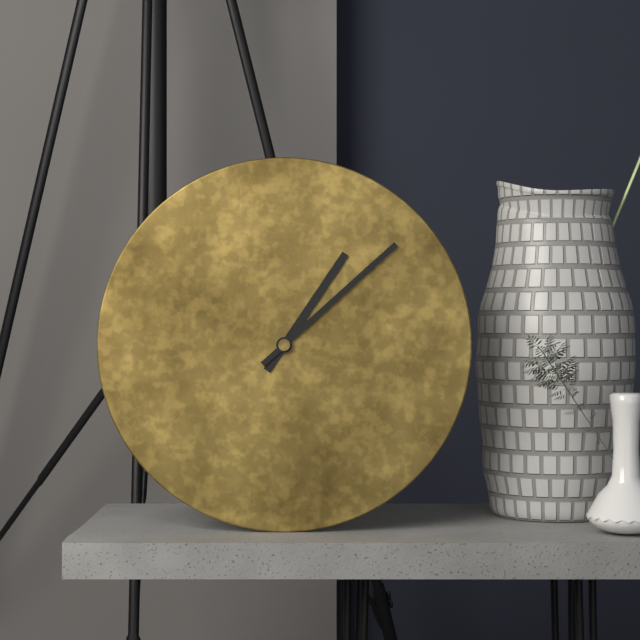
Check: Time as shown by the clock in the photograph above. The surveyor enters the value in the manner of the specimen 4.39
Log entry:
1.08
